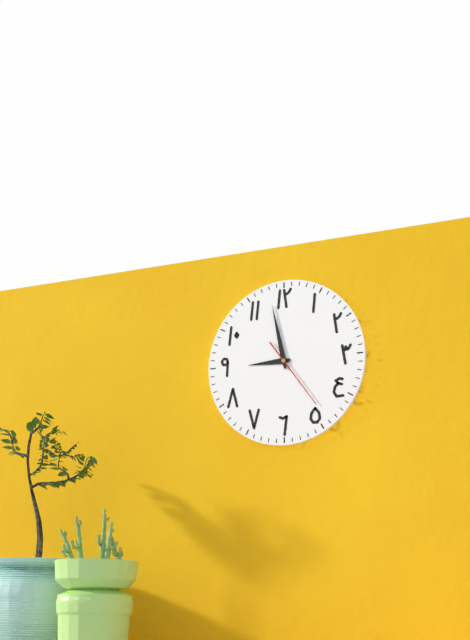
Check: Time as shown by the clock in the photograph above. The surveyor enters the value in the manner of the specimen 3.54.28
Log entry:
8.58.24
